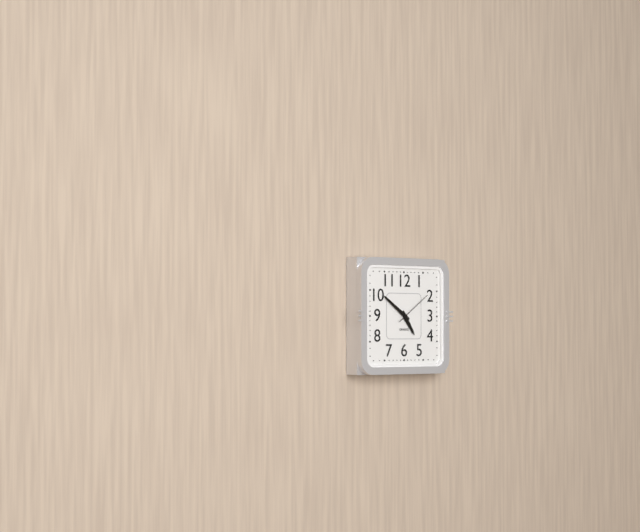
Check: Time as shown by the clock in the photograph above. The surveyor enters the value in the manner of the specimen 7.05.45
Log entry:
4.51.09
